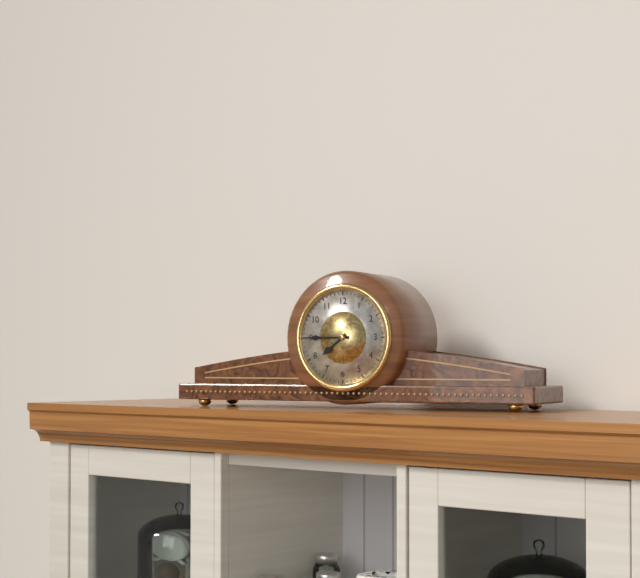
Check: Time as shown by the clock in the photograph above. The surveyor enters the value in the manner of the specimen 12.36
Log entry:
7.45
